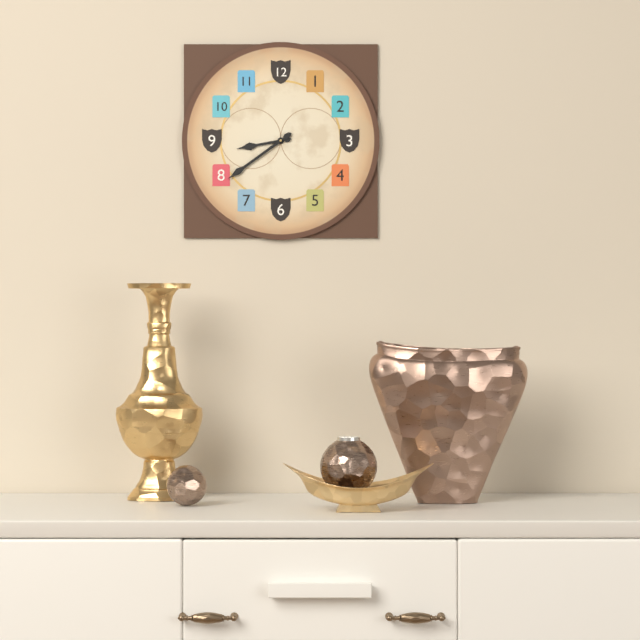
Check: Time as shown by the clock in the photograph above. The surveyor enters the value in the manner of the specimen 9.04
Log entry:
8.39
